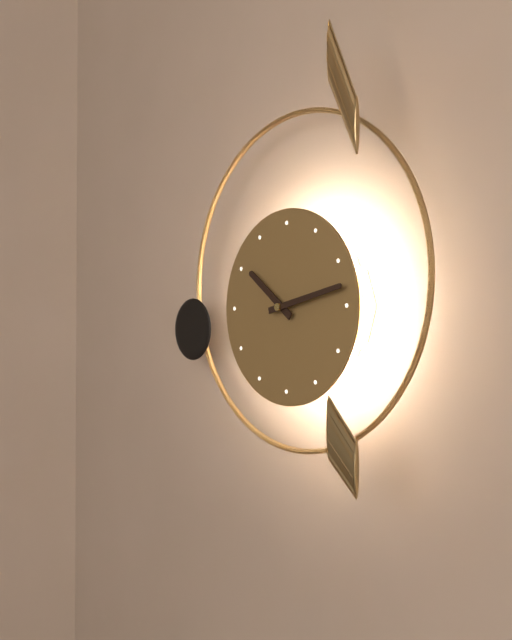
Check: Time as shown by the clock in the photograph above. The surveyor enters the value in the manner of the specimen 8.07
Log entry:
10.13
